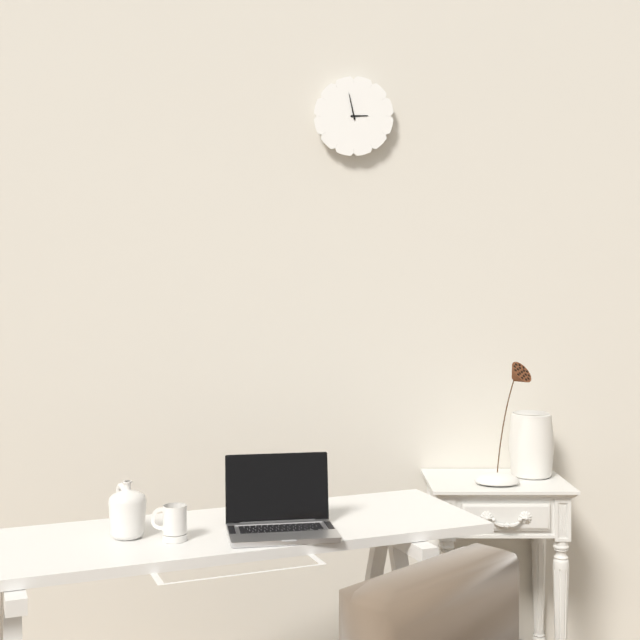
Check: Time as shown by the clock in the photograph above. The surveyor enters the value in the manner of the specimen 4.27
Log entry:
2.58
